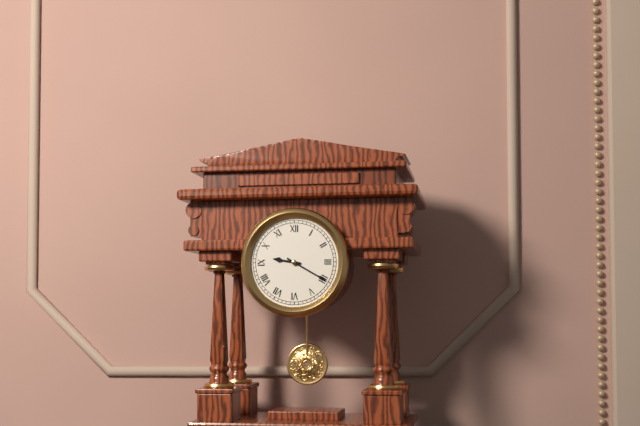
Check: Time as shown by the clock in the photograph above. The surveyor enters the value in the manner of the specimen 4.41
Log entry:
9.20
